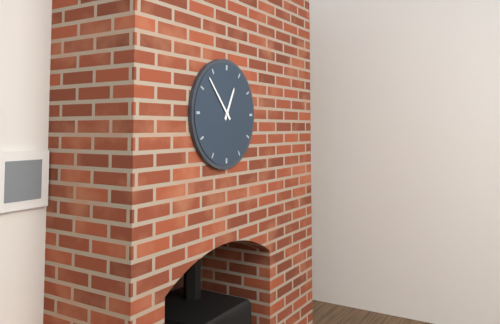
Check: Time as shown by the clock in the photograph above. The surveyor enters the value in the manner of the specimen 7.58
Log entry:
12.53
